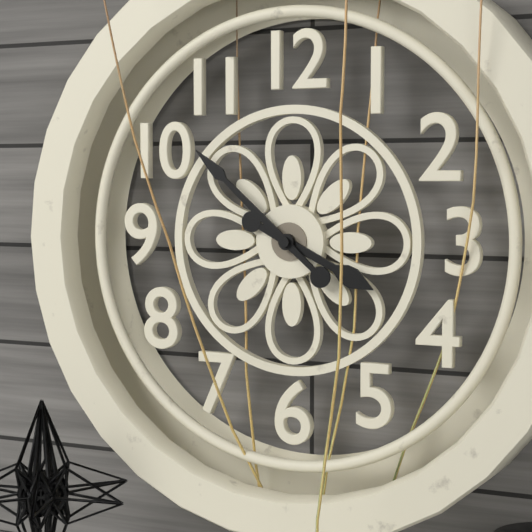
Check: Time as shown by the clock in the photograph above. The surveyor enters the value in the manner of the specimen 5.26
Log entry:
3.52
